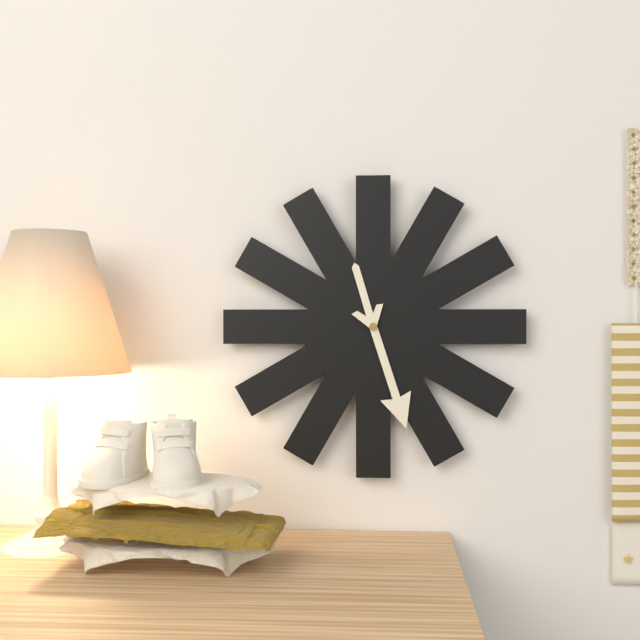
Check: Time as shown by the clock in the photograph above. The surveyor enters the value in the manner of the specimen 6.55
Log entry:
11.27
